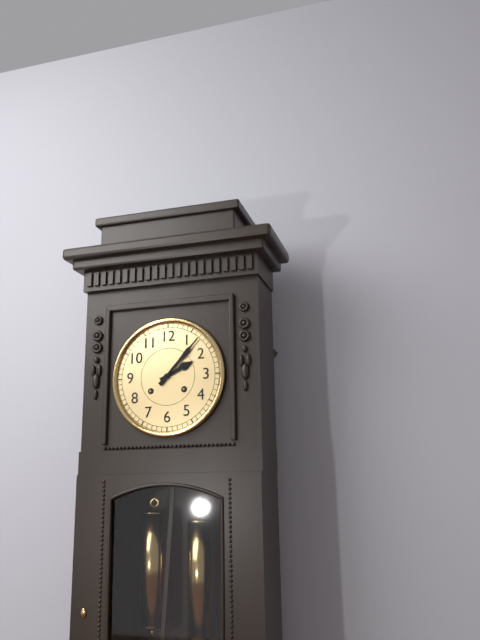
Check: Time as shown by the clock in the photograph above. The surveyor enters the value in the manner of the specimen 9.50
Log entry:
2.07
